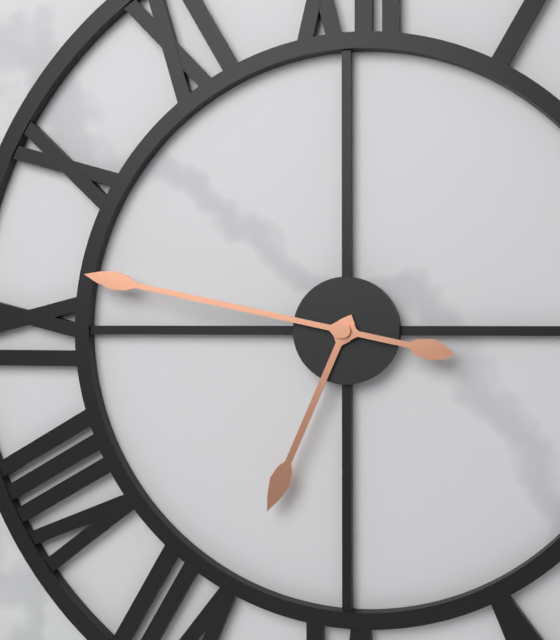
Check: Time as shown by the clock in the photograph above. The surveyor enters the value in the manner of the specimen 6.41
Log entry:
6.47
